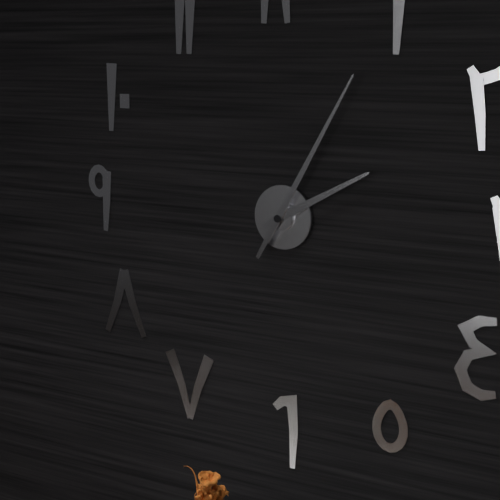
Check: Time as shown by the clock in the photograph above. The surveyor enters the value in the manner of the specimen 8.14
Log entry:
2.05
